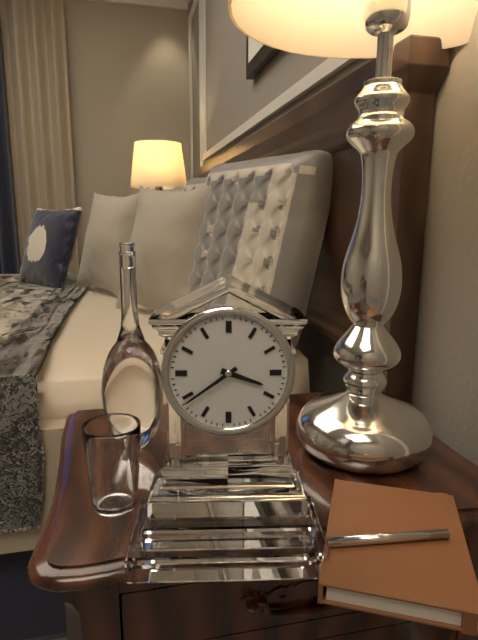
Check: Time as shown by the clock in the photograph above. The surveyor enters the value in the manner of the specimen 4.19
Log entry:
3.39
